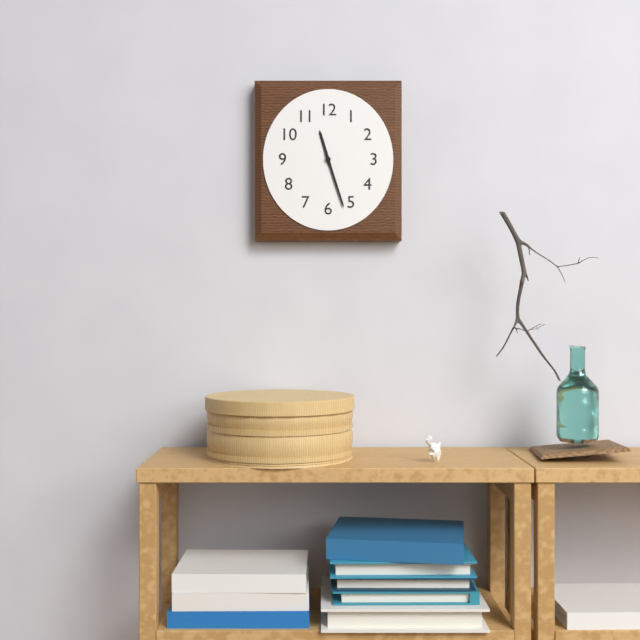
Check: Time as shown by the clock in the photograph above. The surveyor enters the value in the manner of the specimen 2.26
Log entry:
11.27
